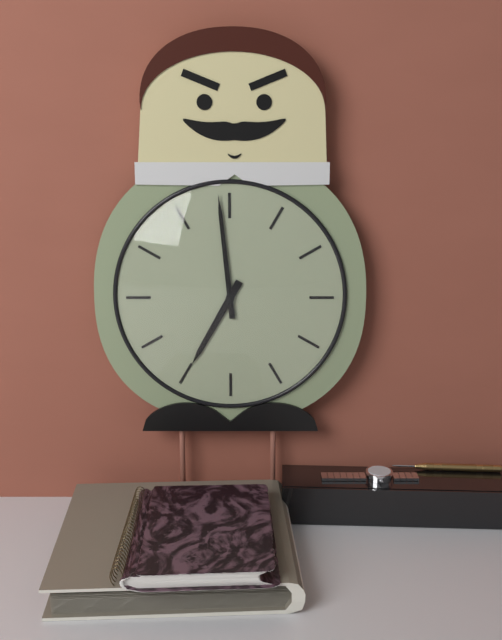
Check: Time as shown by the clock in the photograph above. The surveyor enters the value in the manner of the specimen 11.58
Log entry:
6.59
